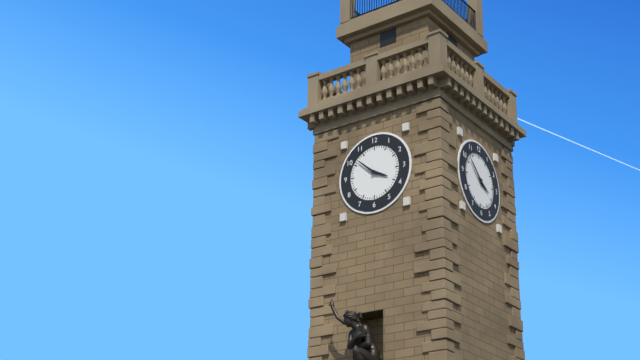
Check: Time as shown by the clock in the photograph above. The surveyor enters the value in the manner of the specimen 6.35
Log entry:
3.52
